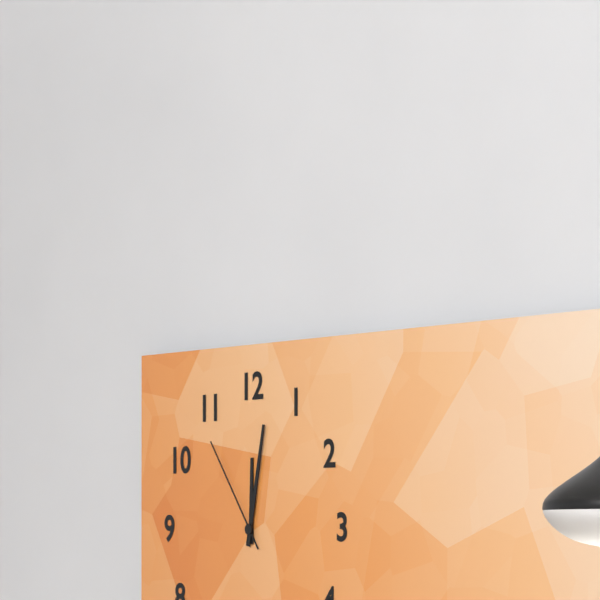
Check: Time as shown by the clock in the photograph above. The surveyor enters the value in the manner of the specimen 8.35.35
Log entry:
12.02.54
